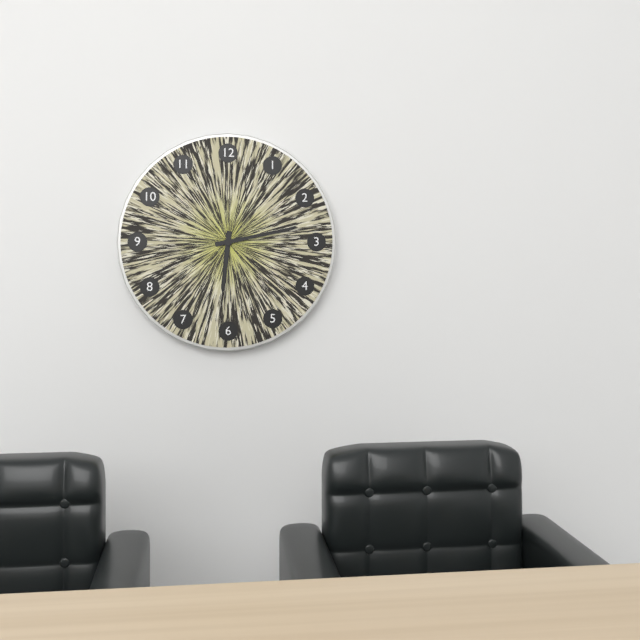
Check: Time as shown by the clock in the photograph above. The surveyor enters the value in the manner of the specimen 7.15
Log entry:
6.13
